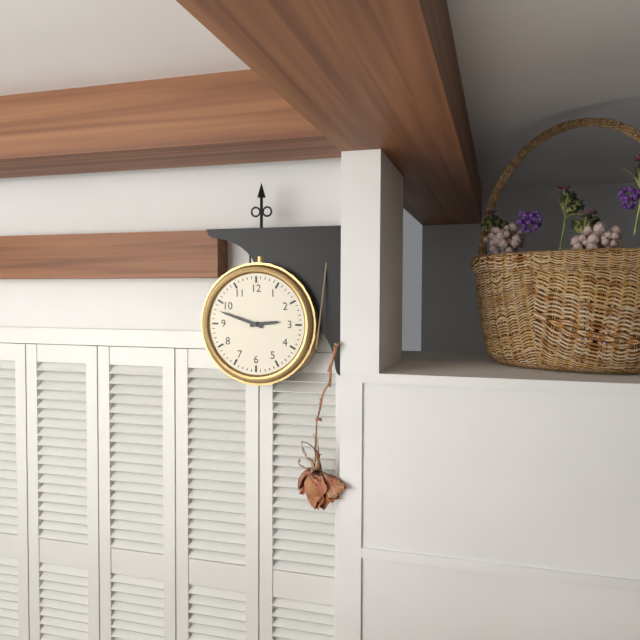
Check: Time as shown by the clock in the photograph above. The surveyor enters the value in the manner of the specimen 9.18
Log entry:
2.48
